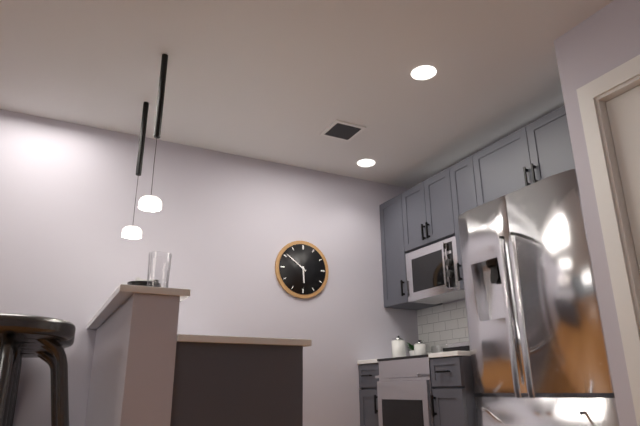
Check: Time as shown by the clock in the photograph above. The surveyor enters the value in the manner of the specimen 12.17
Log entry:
5.51
